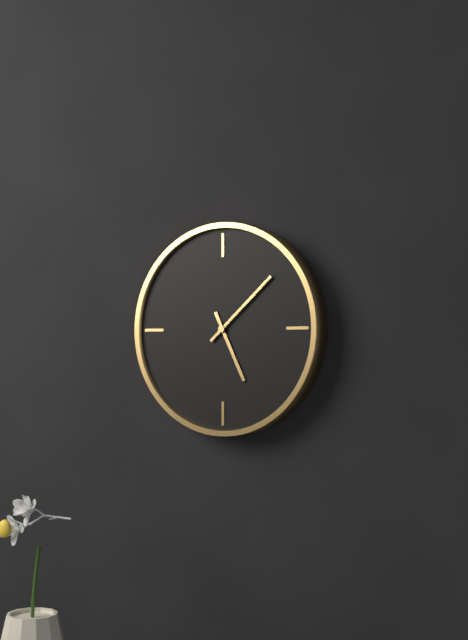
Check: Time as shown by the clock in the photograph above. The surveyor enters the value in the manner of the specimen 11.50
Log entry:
5.08
